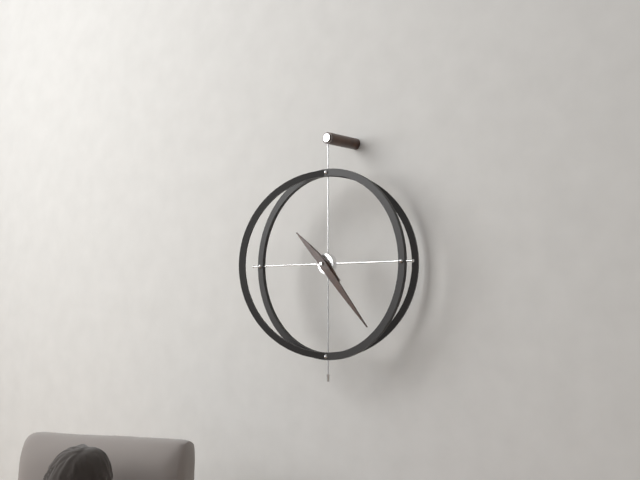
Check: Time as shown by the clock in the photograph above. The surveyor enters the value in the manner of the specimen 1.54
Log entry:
10.23
